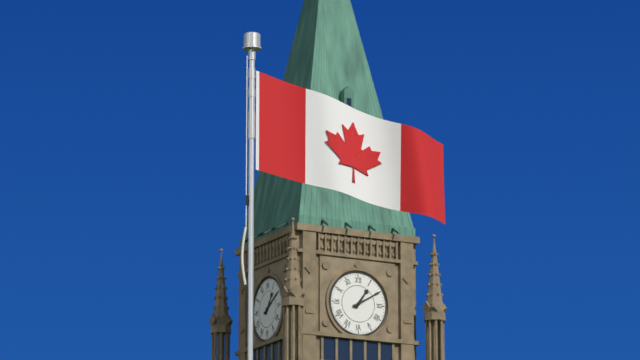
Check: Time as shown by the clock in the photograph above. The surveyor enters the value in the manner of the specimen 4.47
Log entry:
1.10
